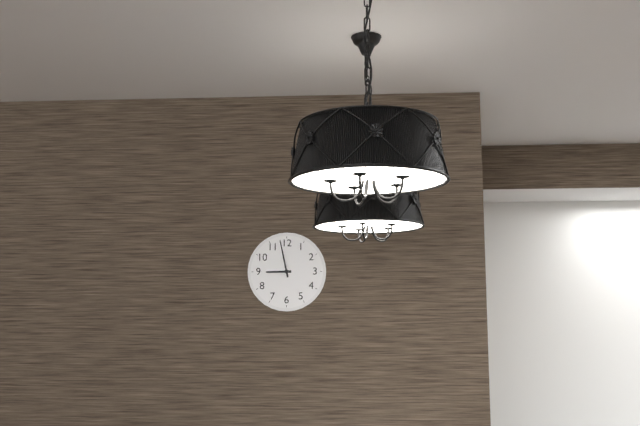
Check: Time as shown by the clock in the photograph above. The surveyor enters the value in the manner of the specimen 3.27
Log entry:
8.58
